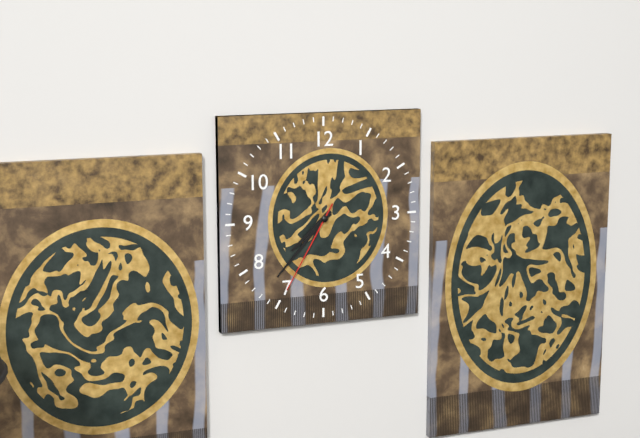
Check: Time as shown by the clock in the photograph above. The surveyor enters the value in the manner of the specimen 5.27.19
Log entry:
7.37.35
